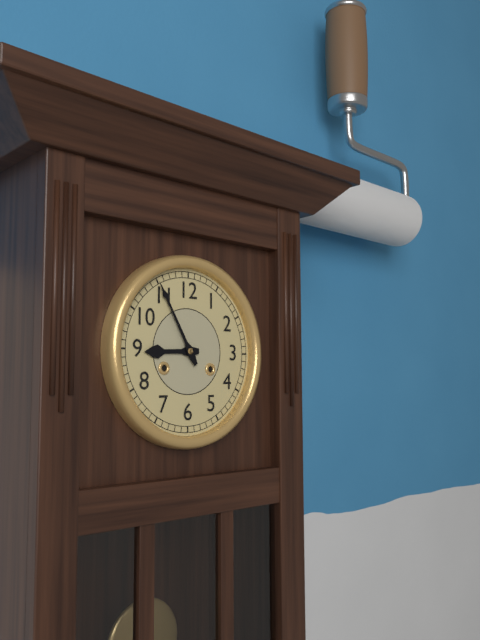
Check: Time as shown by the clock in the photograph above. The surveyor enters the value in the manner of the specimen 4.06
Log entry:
8.55
